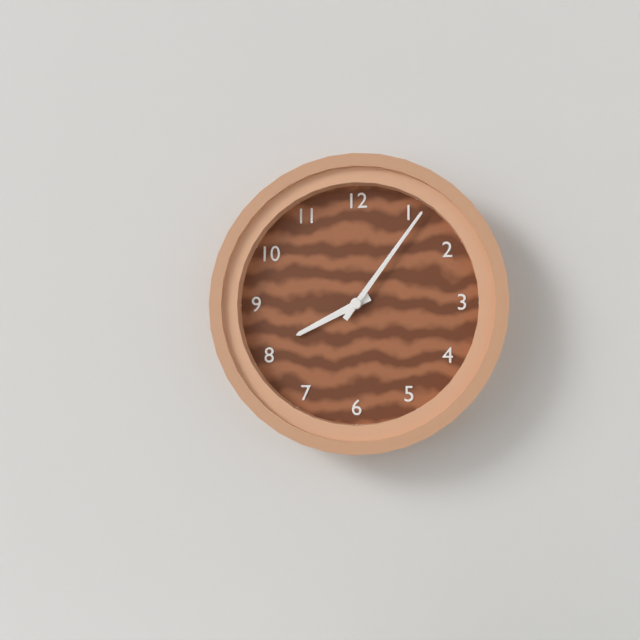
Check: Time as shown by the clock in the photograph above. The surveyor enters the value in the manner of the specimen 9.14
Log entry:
8.06
